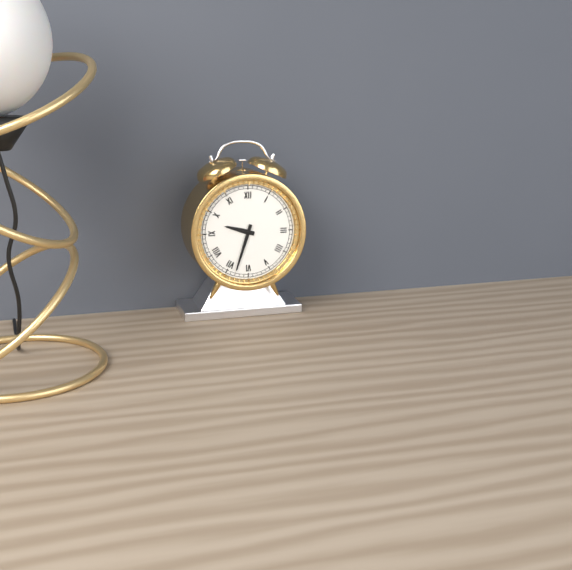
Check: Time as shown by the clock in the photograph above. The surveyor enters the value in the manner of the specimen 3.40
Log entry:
9.33
